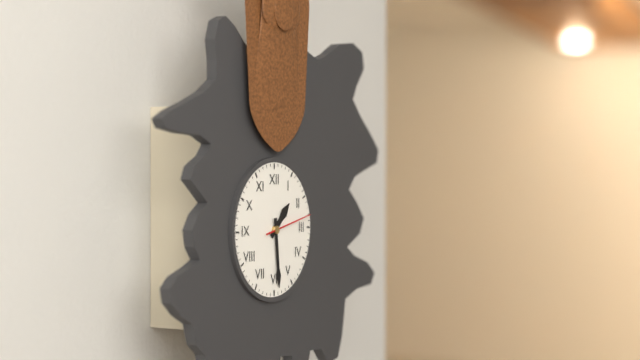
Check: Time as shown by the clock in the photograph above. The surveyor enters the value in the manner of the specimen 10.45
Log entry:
1.29
